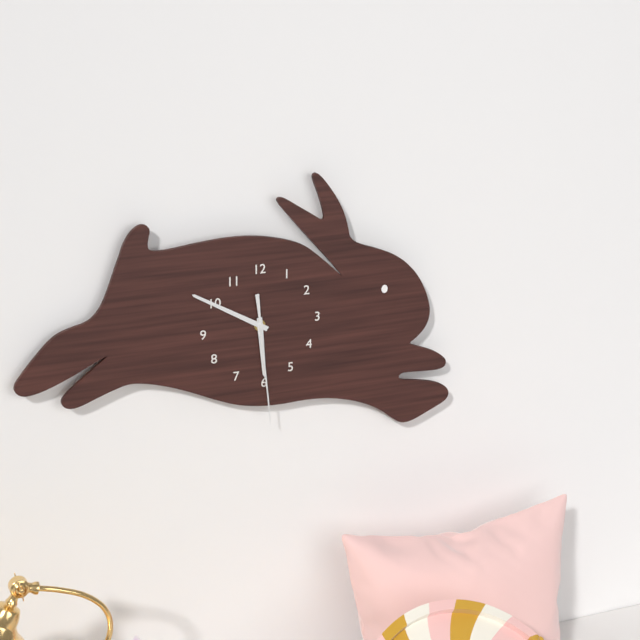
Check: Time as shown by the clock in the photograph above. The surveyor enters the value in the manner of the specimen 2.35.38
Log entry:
5.50.29
